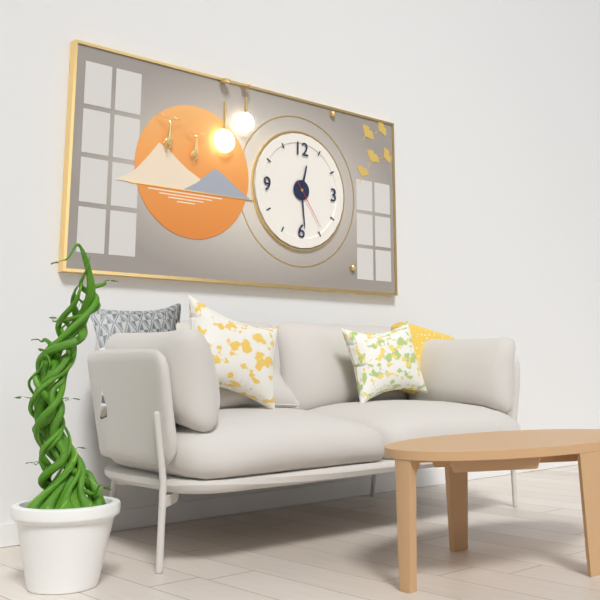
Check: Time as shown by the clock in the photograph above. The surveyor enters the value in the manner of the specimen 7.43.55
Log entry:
12.29.24
